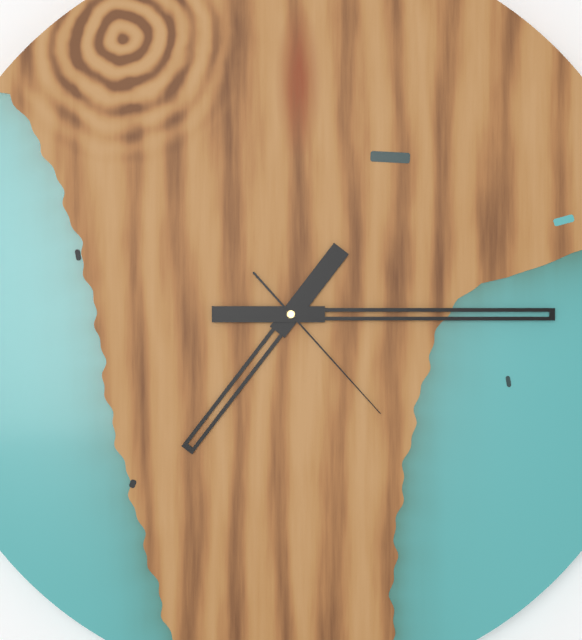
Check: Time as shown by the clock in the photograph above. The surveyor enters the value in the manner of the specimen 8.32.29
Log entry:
7.15.23
